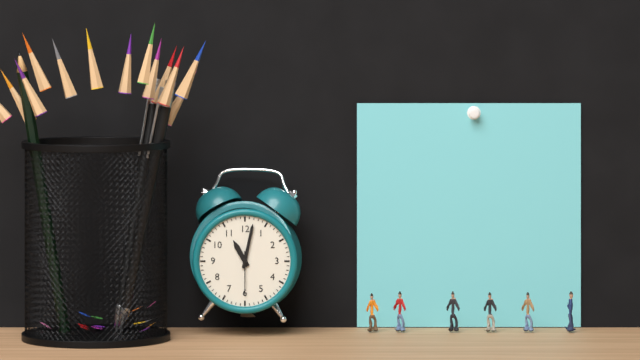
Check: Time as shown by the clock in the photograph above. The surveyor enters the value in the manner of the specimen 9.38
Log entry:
11.02
